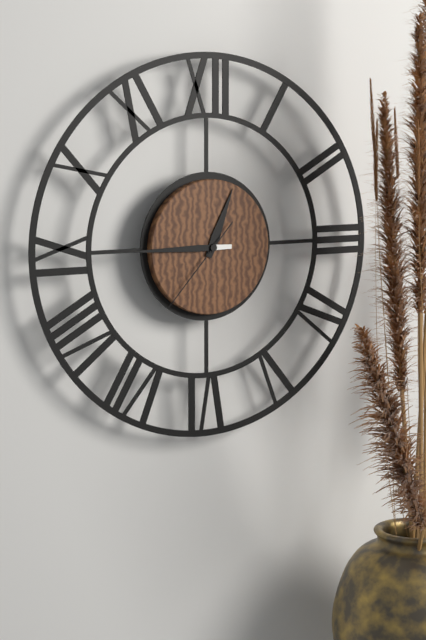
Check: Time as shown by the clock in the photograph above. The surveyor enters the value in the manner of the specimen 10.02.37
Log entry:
12.45.37
